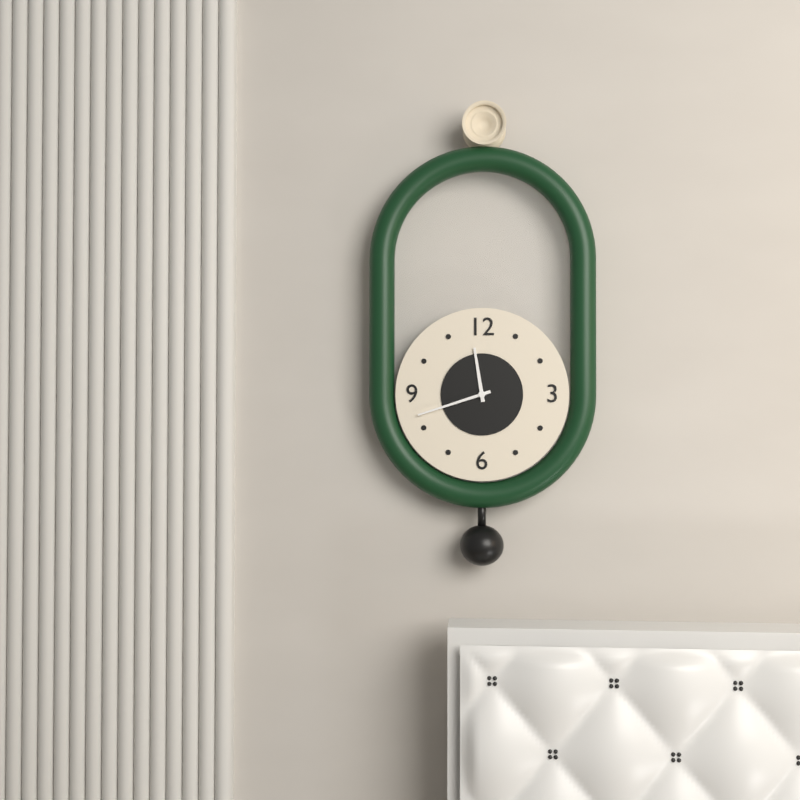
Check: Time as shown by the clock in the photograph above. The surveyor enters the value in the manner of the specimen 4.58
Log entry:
11.42
